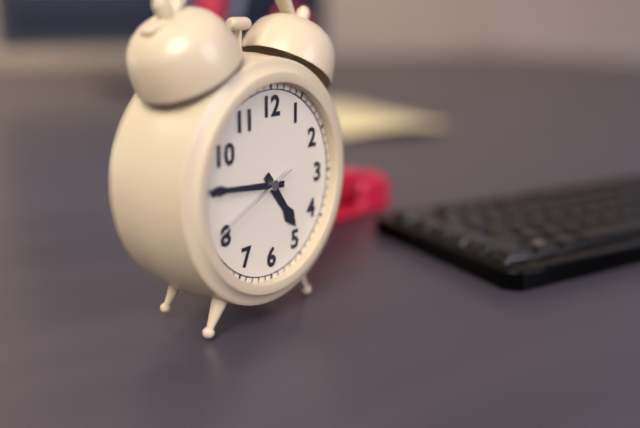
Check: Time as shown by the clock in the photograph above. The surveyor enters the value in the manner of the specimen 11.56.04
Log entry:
4.46.41
